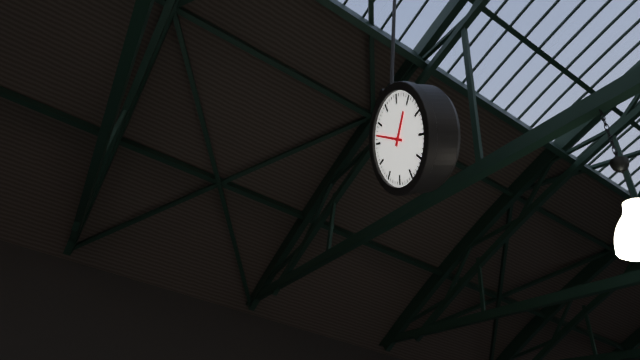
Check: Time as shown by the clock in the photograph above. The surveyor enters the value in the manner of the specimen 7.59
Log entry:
1.52
